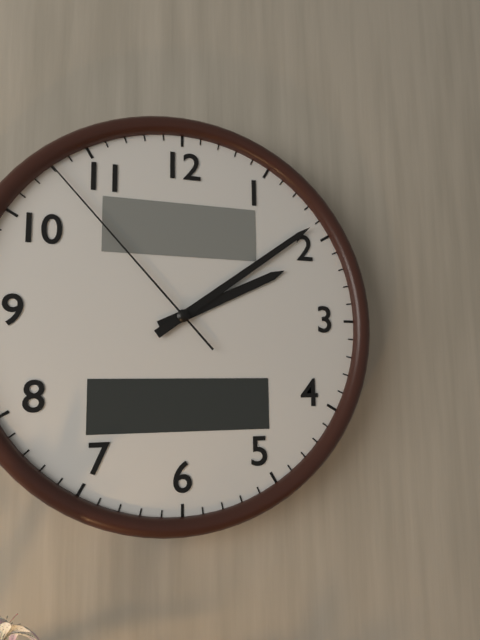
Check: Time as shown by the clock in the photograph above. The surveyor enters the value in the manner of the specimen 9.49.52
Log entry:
2.09.53
